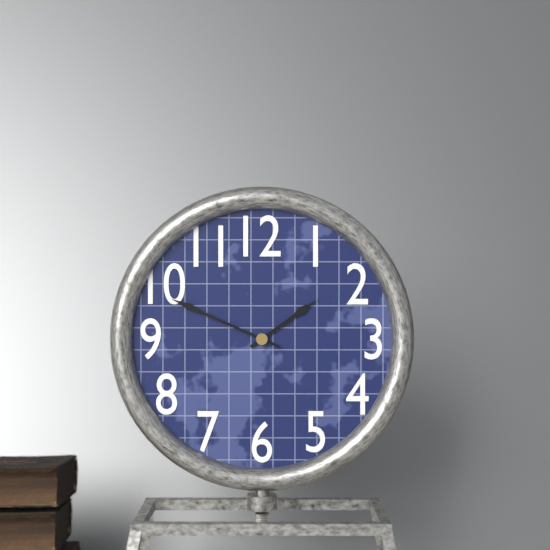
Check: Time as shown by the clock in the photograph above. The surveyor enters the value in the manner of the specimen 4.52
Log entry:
1.49
